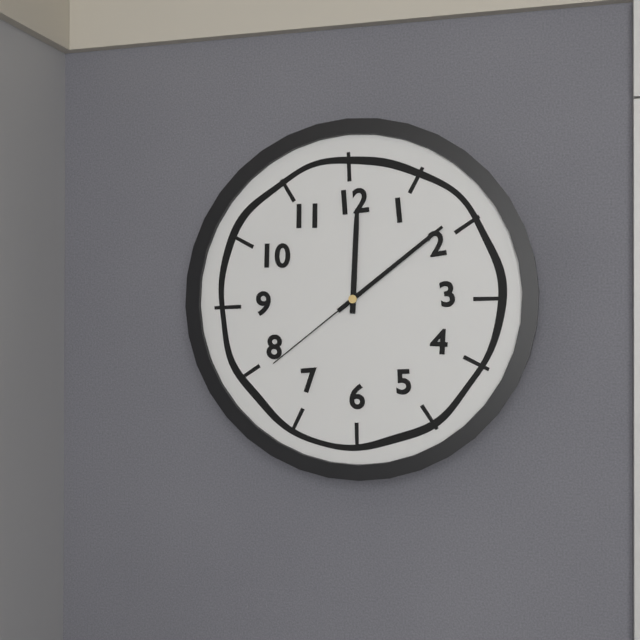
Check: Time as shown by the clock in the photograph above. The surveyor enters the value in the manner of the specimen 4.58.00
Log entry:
12.09.39
